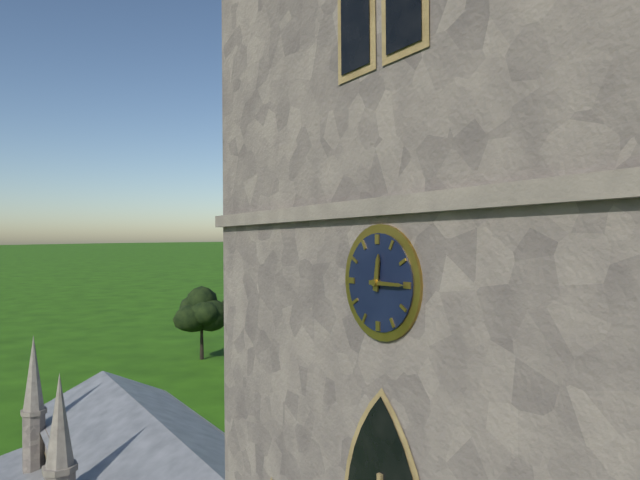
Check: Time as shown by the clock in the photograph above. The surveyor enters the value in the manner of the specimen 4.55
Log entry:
12.15
